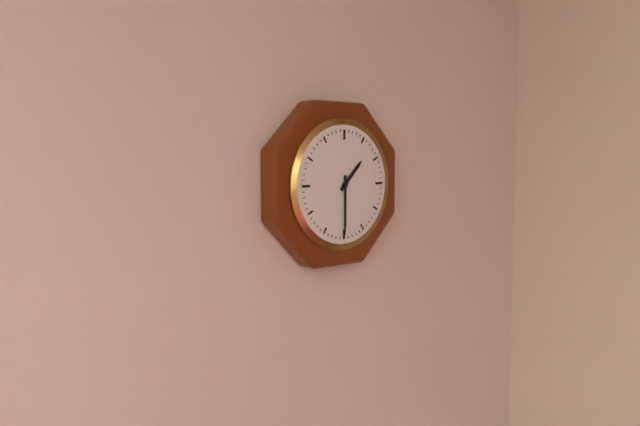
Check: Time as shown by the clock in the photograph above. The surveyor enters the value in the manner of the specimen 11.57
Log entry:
1.30
